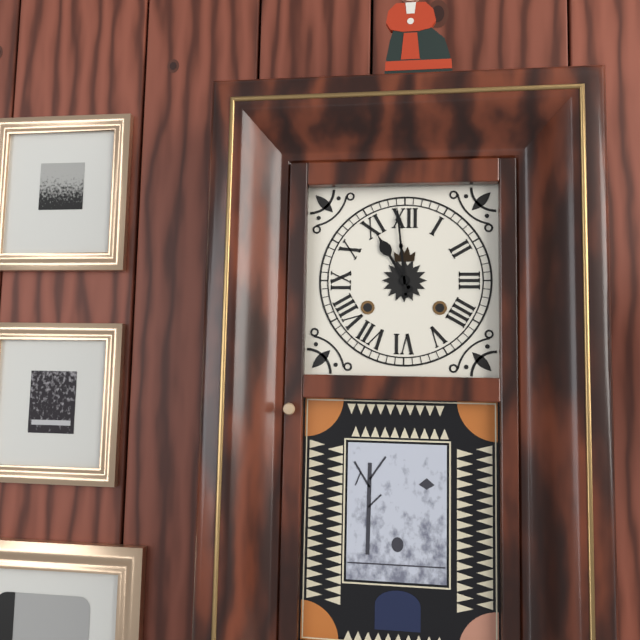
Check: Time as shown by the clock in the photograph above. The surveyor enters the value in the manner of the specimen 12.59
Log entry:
10.59
